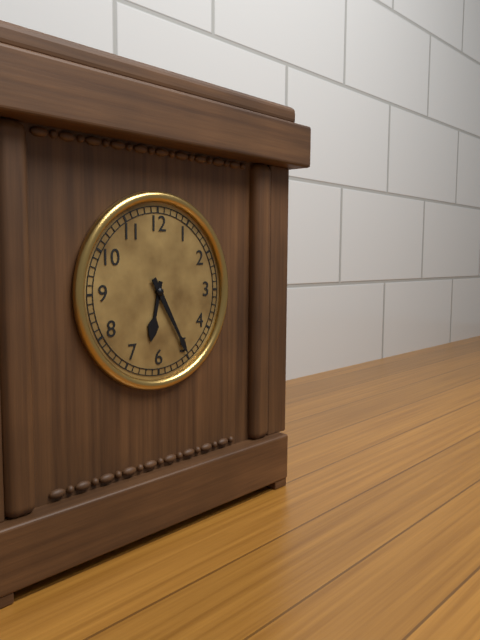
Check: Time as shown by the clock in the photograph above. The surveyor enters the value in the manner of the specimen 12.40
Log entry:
6.25
